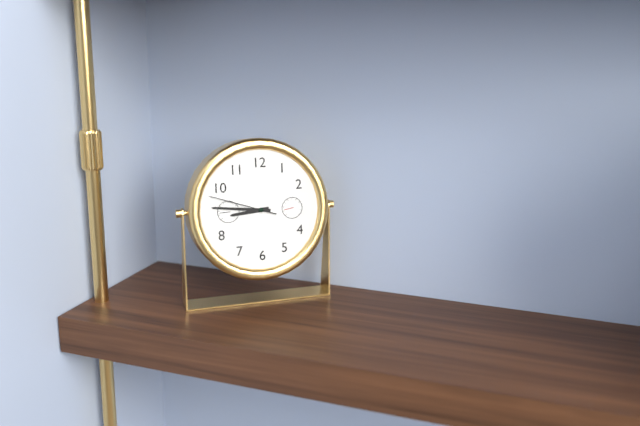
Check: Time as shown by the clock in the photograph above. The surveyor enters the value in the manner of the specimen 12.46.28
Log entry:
8.46.48
